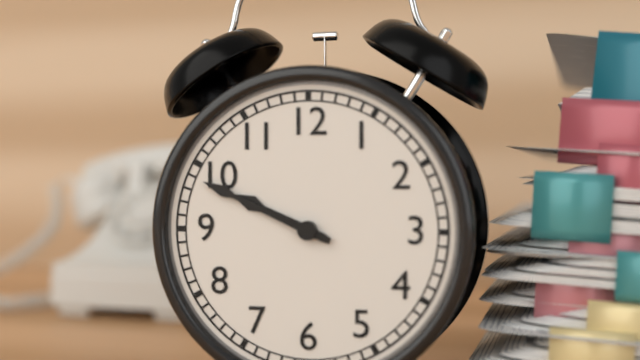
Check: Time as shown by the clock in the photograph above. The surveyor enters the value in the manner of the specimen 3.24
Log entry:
9.49
